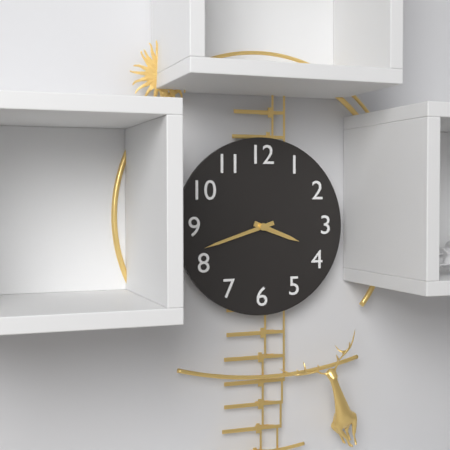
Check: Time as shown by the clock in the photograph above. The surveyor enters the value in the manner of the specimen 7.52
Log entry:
3.42
